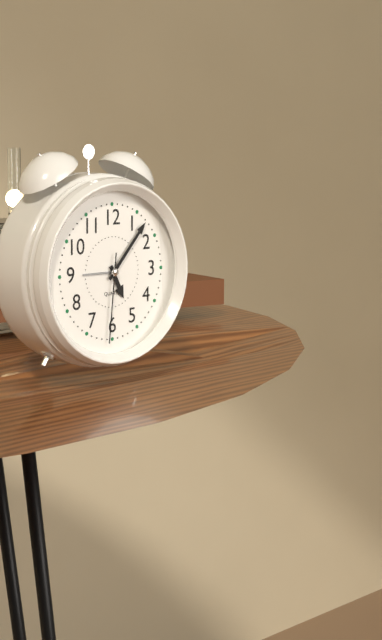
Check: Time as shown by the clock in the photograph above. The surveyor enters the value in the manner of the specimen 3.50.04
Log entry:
5.07.31
